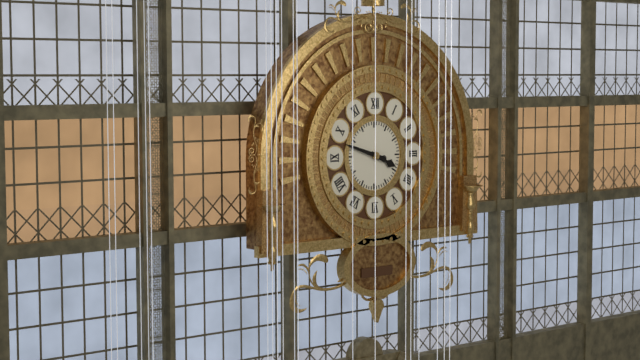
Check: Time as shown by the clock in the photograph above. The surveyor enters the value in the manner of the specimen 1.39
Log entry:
3.48
